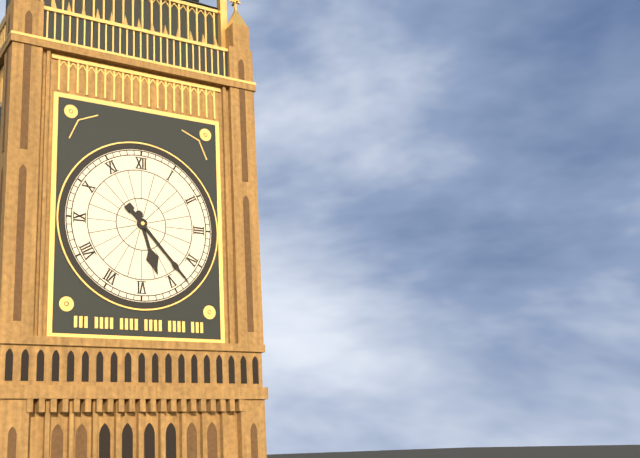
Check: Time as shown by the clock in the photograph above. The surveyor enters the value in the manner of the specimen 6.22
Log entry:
5.23
